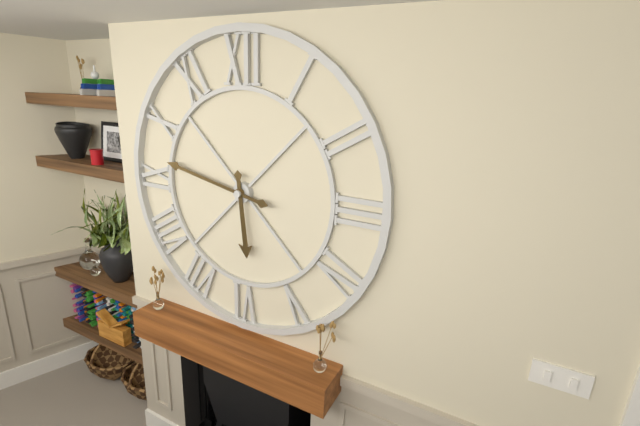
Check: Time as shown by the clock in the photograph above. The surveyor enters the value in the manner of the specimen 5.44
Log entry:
5.47
